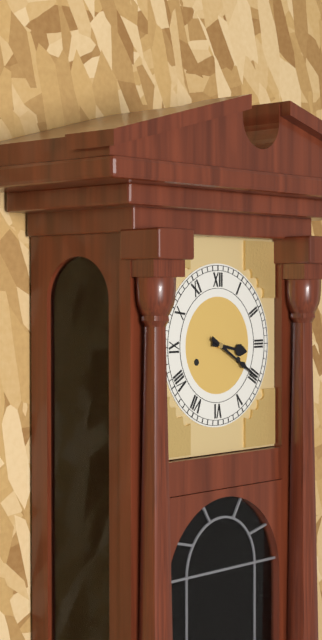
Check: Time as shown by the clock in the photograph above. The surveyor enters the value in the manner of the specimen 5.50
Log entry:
3.20
